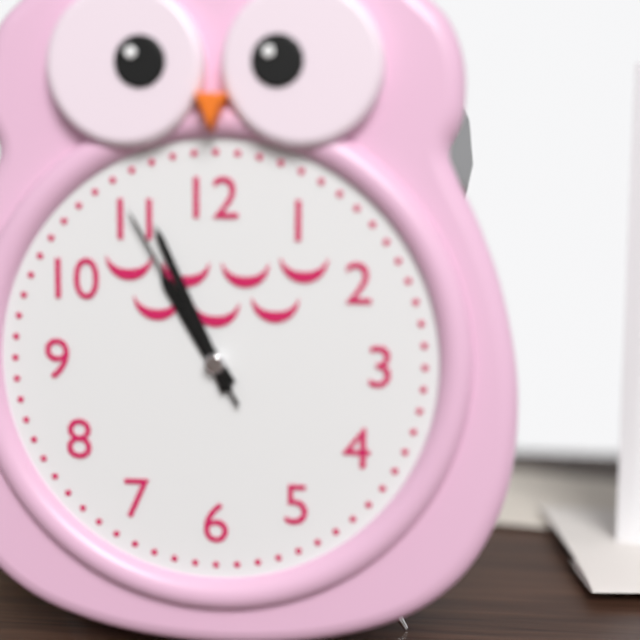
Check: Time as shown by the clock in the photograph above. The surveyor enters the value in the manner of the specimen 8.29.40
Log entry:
10.56.55
